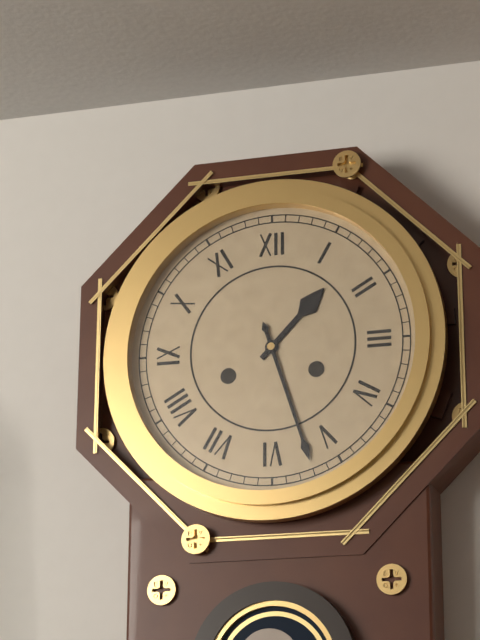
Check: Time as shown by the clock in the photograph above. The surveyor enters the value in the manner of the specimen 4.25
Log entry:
1.27
